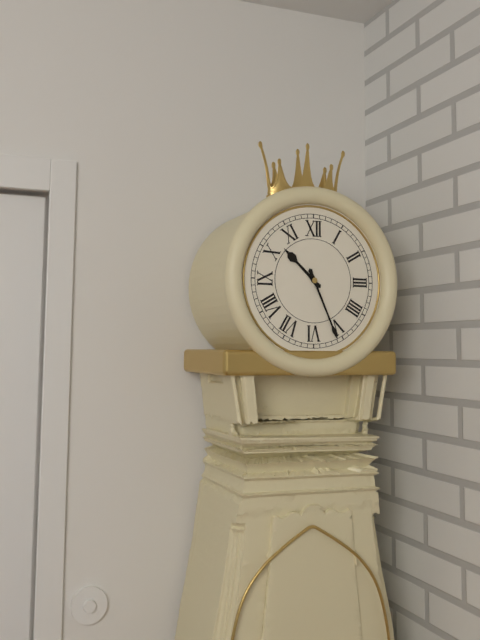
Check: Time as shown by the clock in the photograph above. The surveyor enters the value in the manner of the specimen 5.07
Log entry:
10.26
